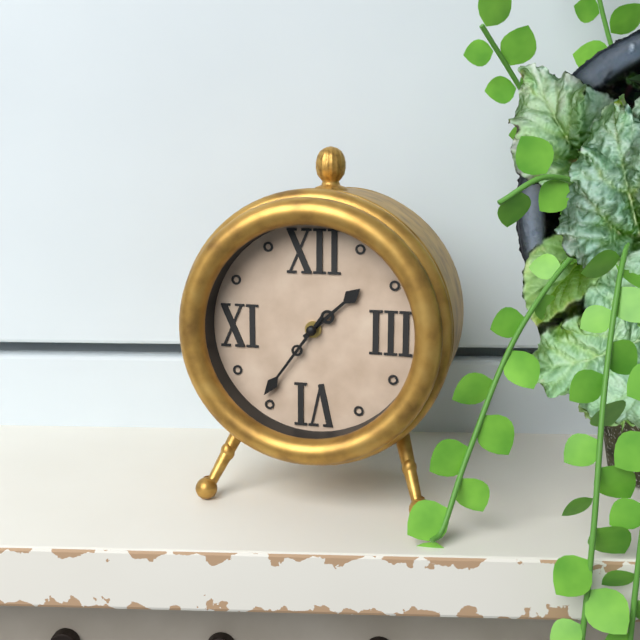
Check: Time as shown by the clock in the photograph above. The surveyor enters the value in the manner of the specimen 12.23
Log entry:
1.36
